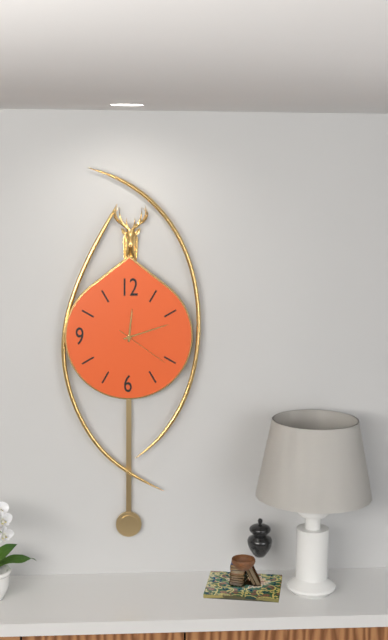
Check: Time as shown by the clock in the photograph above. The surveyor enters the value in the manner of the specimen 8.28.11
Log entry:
12.12.21
